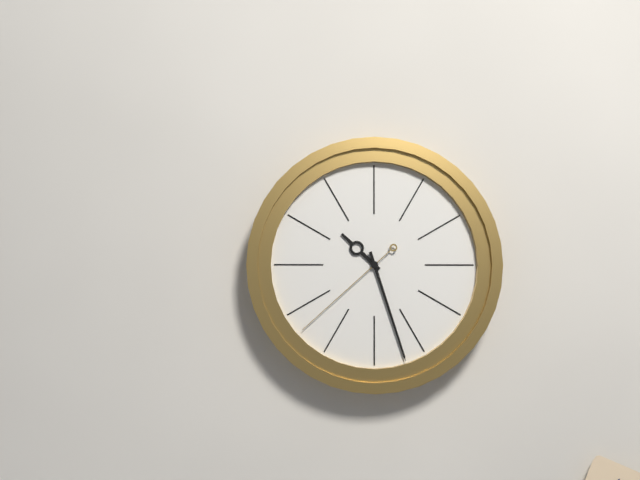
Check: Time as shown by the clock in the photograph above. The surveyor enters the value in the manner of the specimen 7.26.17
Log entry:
10.27.38
